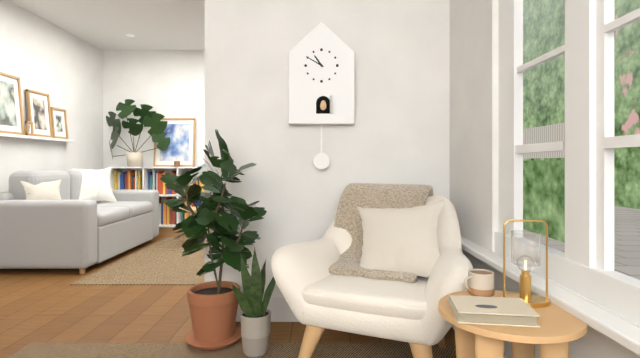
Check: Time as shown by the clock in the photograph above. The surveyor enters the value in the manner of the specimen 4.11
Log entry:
10.50
